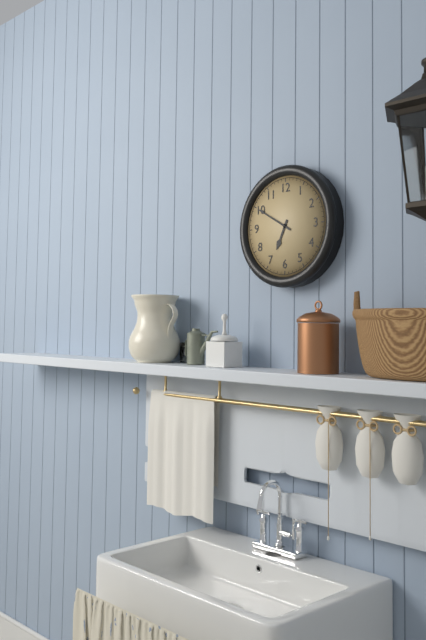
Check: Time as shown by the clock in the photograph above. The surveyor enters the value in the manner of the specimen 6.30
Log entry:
6.50
